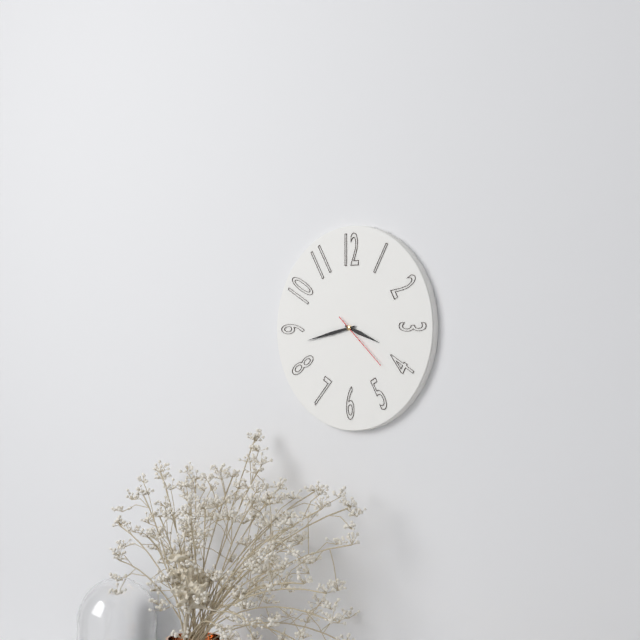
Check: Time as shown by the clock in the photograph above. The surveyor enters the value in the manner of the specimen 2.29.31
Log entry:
3.43.22
